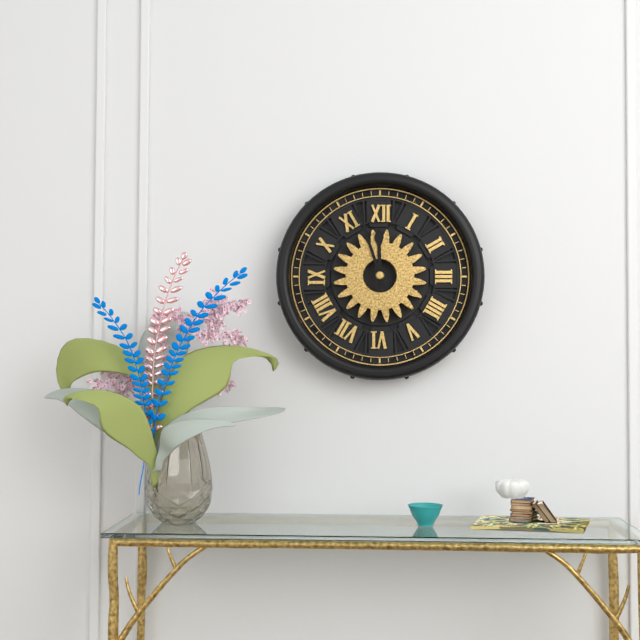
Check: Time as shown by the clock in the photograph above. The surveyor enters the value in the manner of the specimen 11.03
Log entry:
11.57
